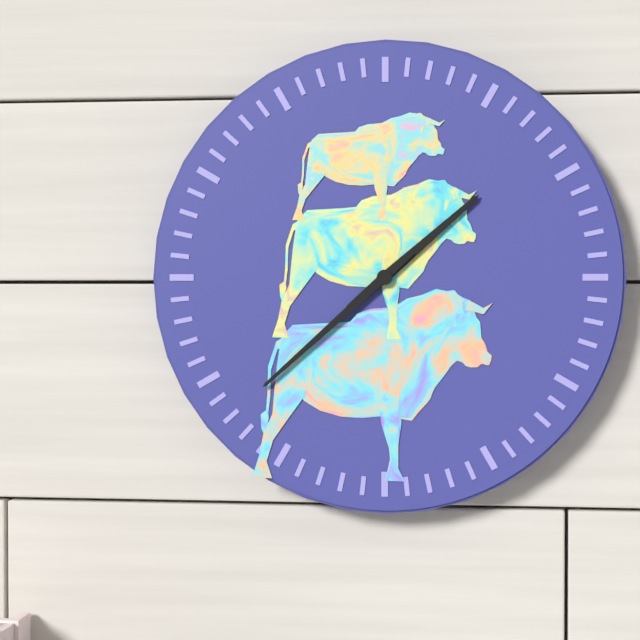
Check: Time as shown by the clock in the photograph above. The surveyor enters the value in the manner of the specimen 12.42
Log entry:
1.38
